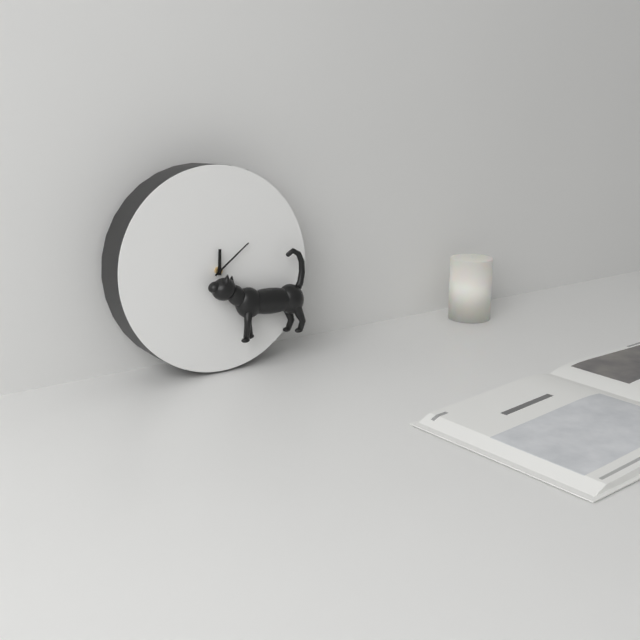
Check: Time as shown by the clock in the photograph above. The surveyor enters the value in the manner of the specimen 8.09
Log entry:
12.09
